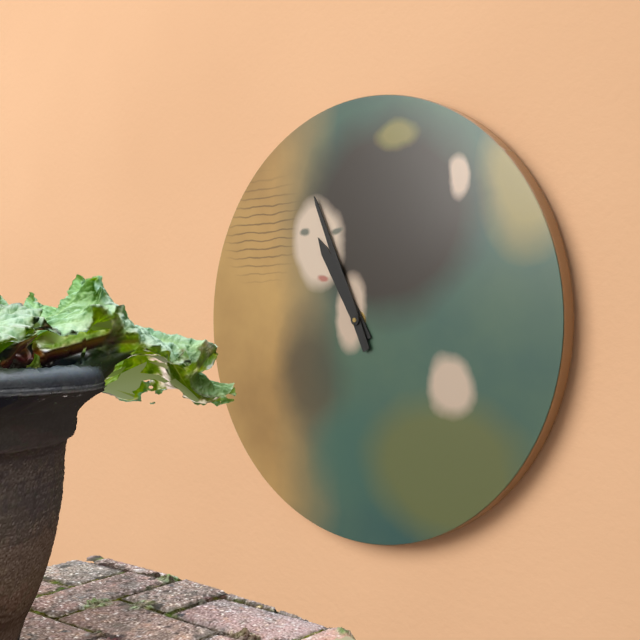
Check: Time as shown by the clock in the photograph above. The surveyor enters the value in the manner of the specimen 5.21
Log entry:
10.56
